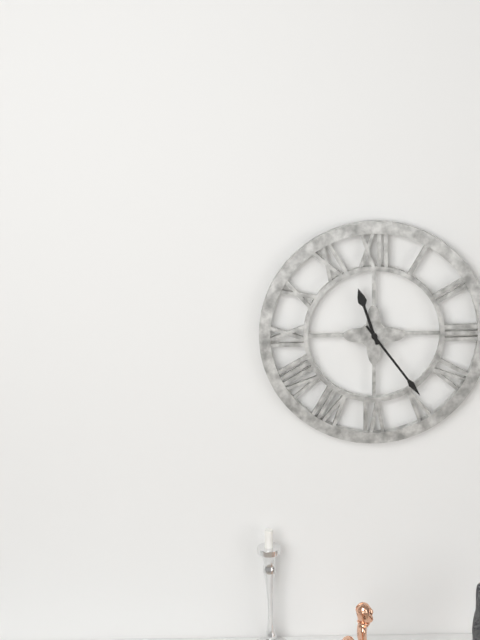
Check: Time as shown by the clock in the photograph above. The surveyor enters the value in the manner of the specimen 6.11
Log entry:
11.24
